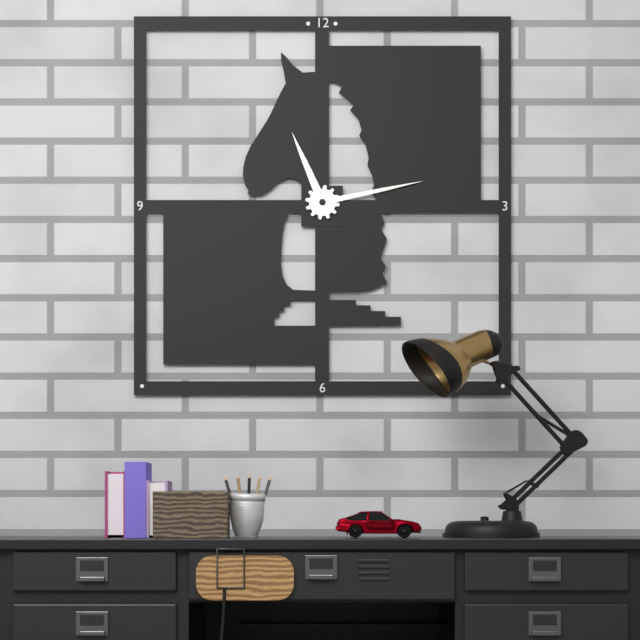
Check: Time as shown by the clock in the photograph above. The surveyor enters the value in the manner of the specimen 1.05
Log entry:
11.13
